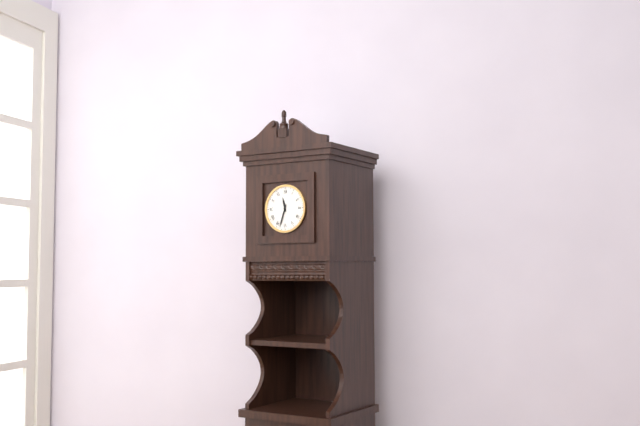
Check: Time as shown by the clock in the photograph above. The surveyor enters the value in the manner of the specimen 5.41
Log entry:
11.33
